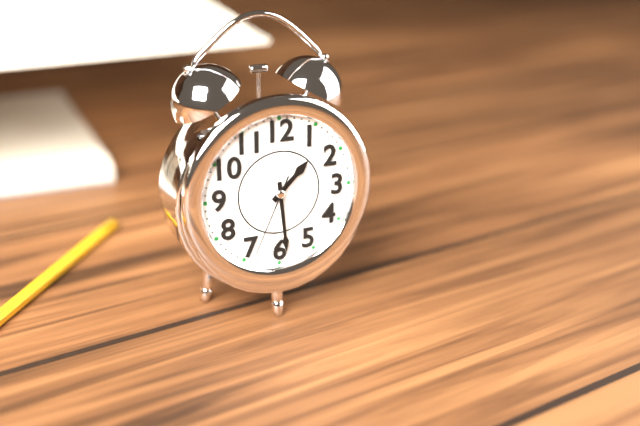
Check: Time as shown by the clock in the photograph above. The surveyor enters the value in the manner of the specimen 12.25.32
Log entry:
1.29.34
